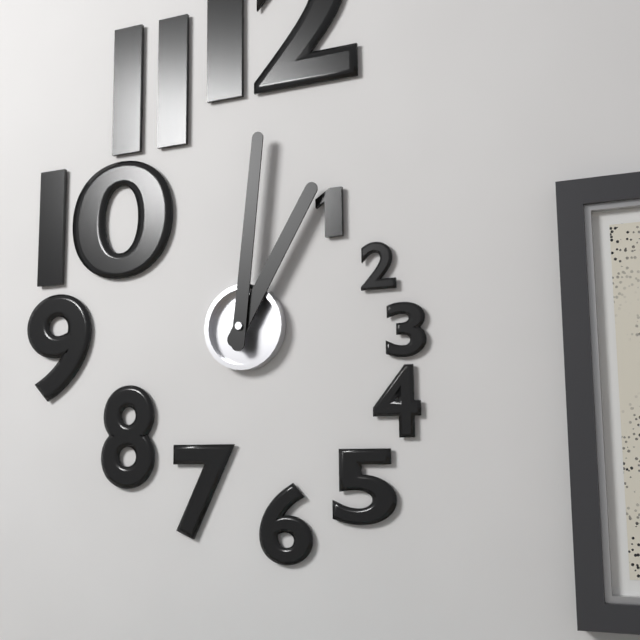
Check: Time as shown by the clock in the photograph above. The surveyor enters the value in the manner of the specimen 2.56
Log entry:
1.01
